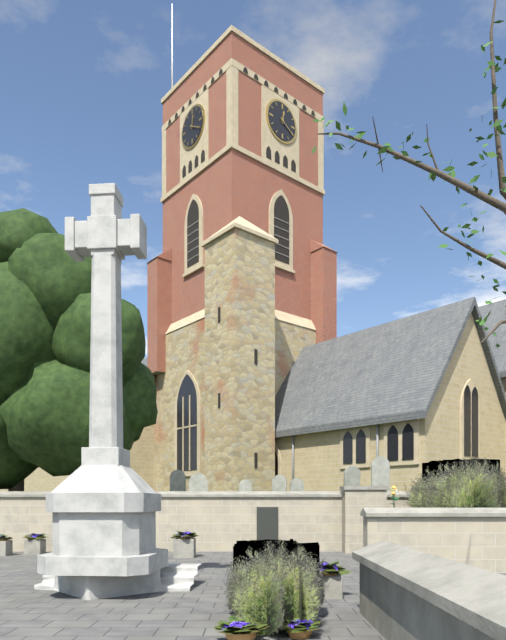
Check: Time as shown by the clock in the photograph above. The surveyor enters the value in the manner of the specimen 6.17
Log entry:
12.20
